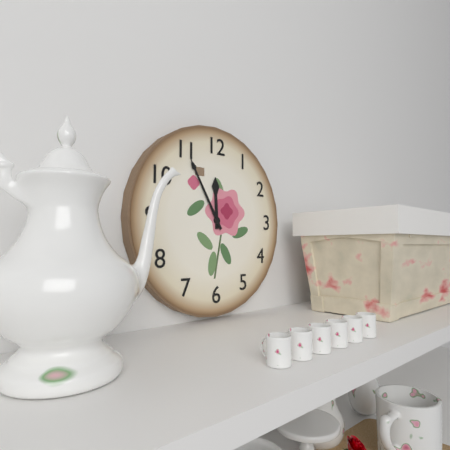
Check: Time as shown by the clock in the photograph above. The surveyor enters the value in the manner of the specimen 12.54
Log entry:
11.55
